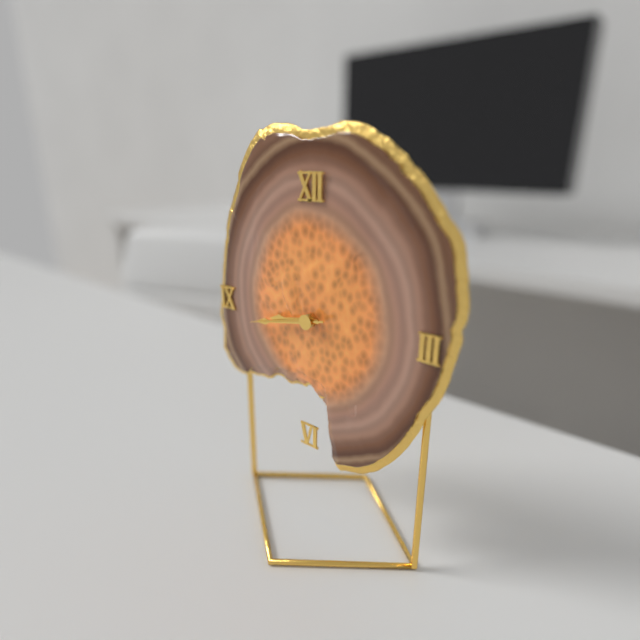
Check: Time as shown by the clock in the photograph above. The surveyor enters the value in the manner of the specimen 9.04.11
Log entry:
8.43.43
